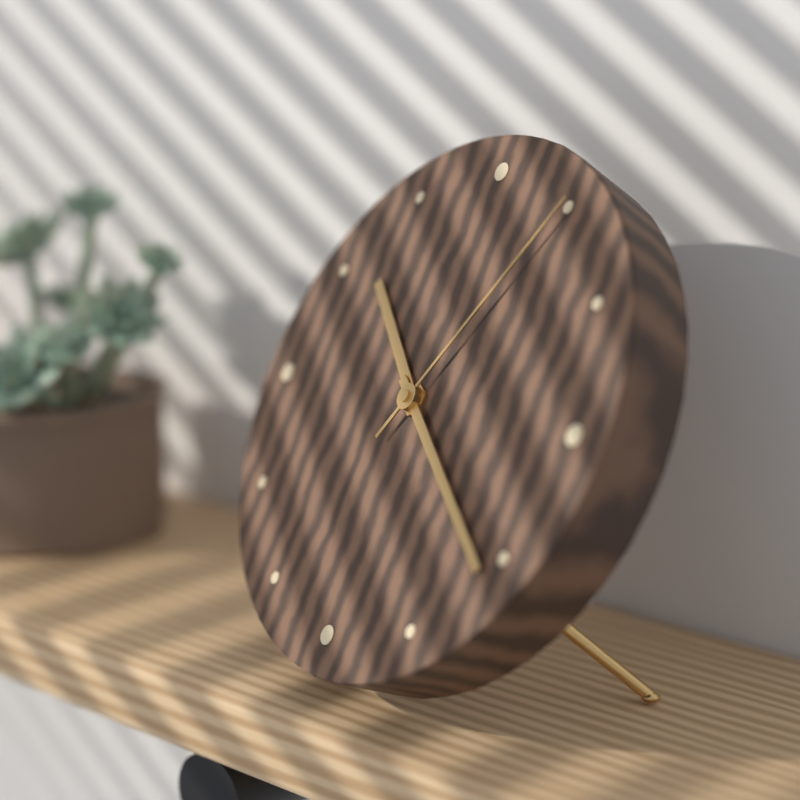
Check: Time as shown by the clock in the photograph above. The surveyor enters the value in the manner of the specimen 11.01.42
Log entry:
10.21.05
